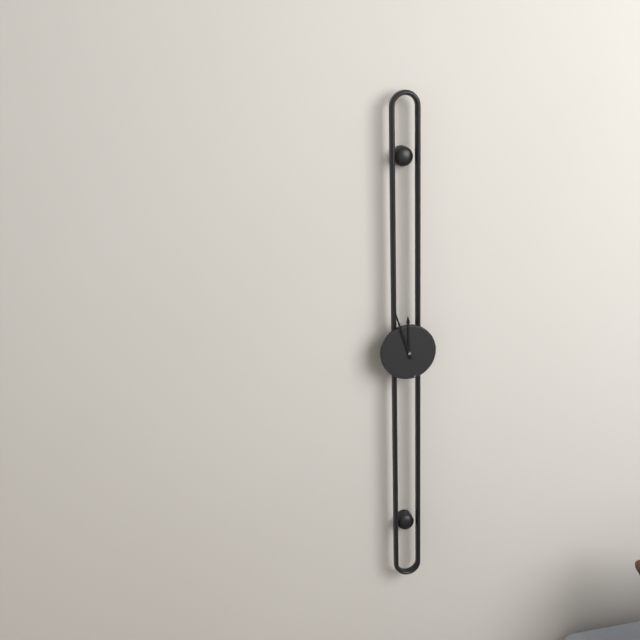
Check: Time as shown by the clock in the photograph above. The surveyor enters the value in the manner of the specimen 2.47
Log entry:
11.57
